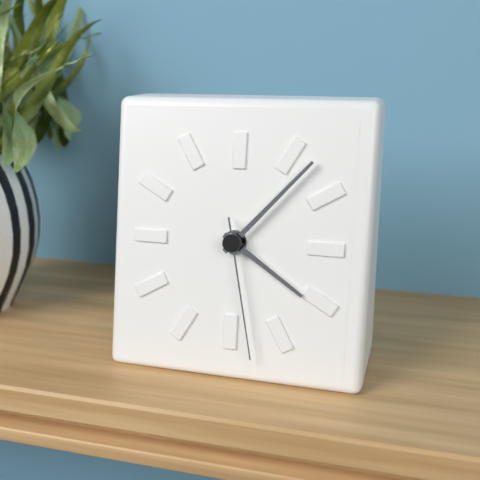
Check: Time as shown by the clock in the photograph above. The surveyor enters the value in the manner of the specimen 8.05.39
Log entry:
4.07.28
